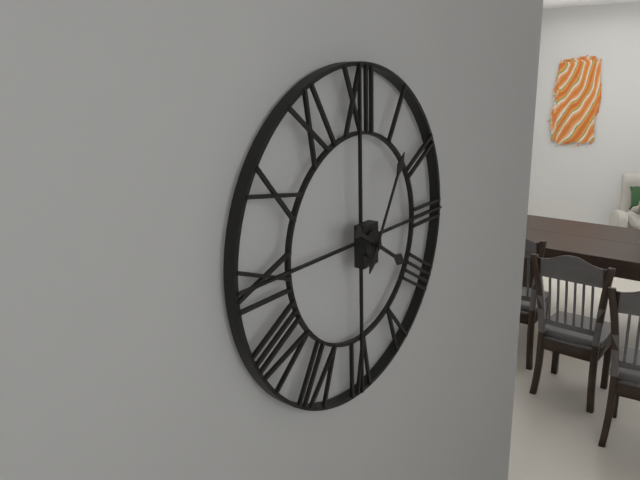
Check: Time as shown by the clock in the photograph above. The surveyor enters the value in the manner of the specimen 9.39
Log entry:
4.05
